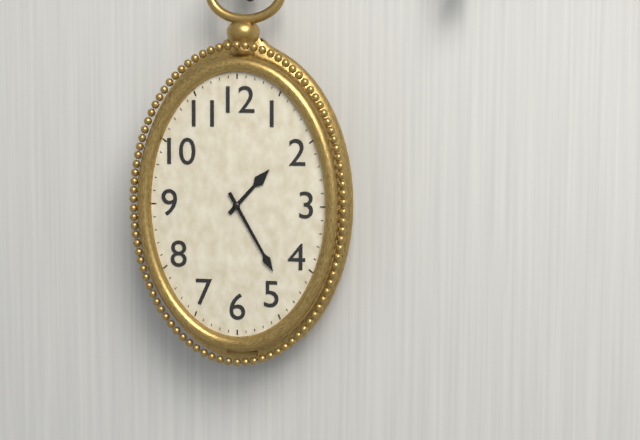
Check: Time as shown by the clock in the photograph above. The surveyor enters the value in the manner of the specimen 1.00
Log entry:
1.25
